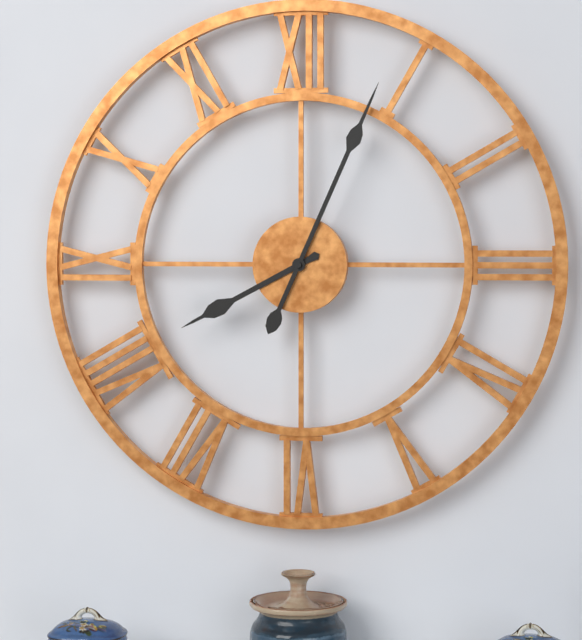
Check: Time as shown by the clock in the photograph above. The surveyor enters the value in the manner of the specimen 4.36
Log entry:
8.04
